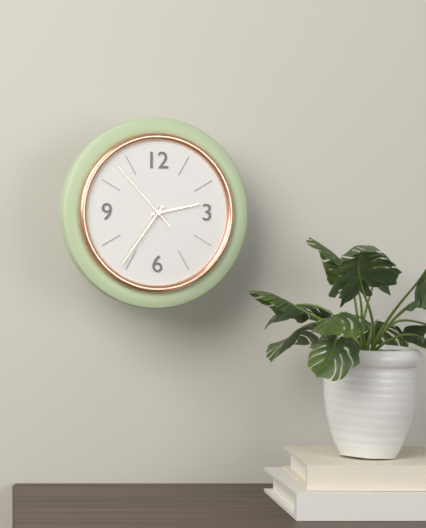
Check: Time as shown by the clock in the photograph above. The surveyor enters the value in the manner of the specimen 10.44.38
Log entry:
2.36.53
